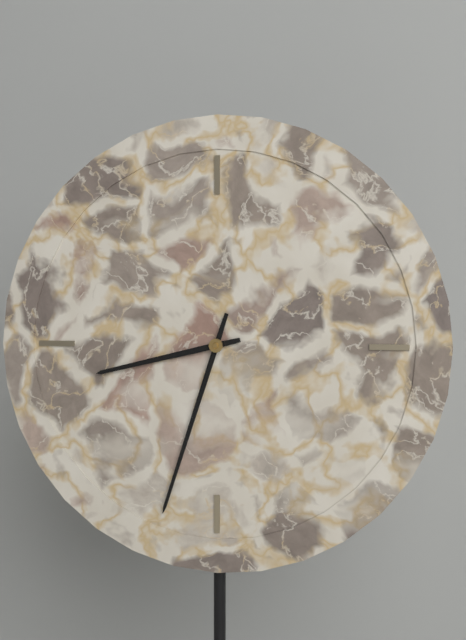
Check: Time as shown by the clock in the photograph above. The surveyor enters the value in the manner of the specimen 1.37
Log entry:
8.33
